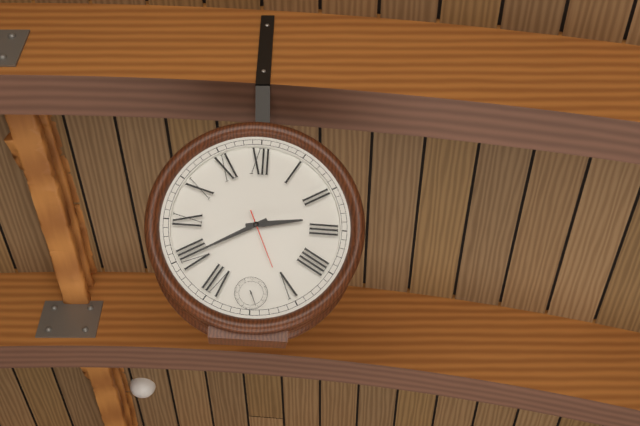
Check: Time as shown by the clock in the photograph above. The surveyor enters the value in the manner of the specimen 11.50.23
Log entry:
2.40.26
